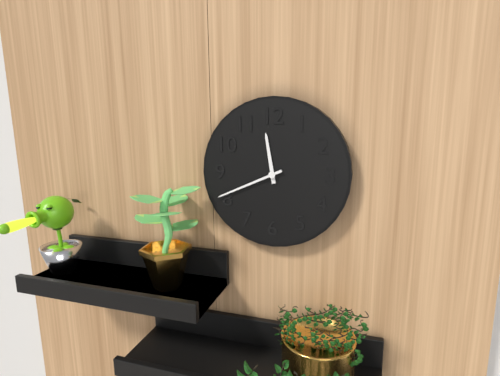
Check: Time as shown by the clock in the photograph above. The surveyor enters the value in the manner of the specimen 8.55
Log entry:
11.41
